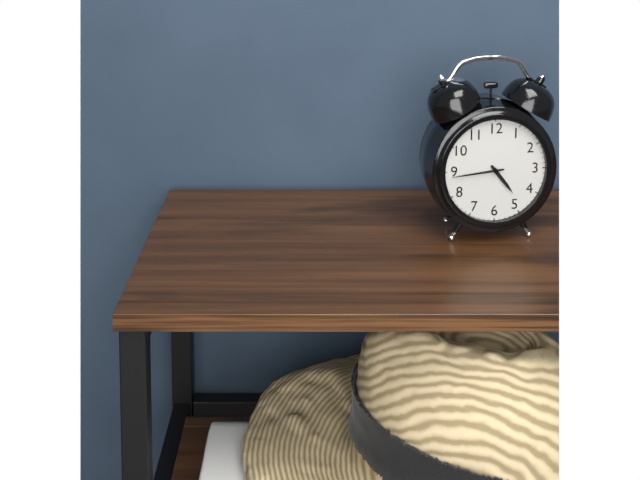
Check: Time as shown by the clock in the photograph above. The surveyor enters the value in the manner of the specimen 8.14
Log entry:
4.44
